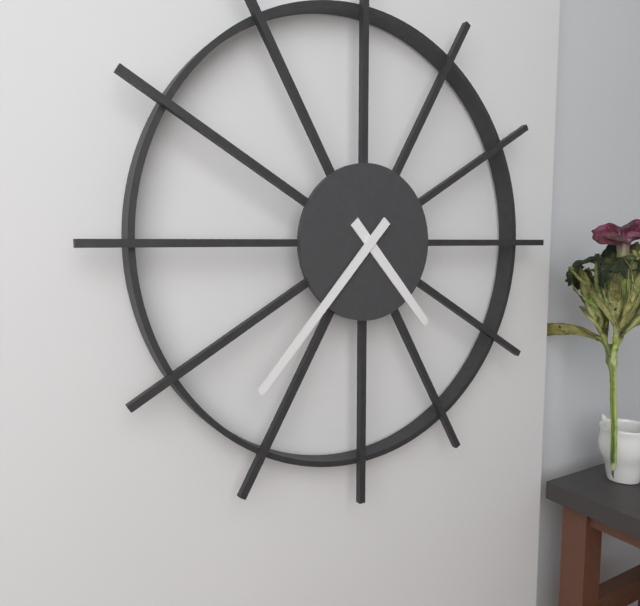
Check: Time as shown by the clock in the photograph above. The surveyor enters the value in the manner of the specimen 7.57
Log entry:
4.37
